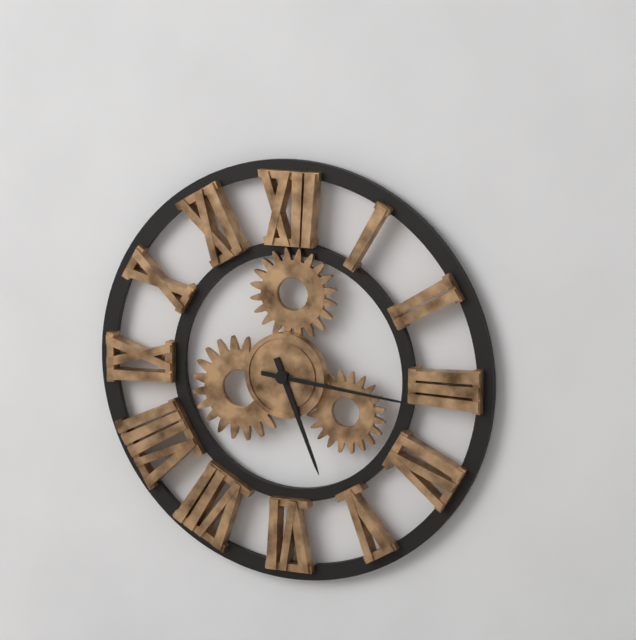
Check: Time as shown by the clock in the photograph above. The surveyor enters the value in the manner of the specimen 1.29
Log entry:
5.16
